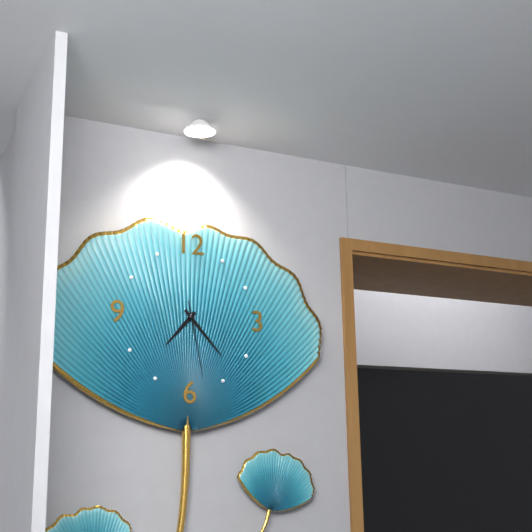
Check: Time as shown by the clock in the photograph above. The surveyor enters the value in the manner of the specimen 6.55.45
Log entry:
7.23.28
